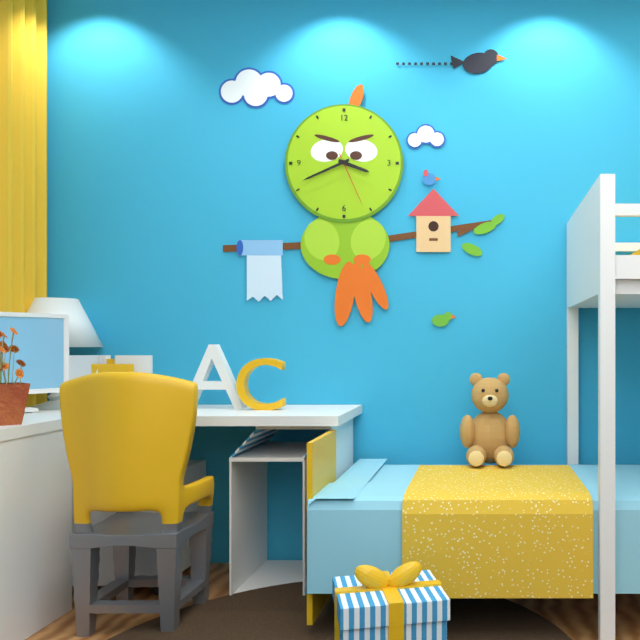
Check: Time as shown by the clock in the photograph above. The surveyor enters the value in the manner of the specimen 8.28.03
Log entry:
3.41.26
